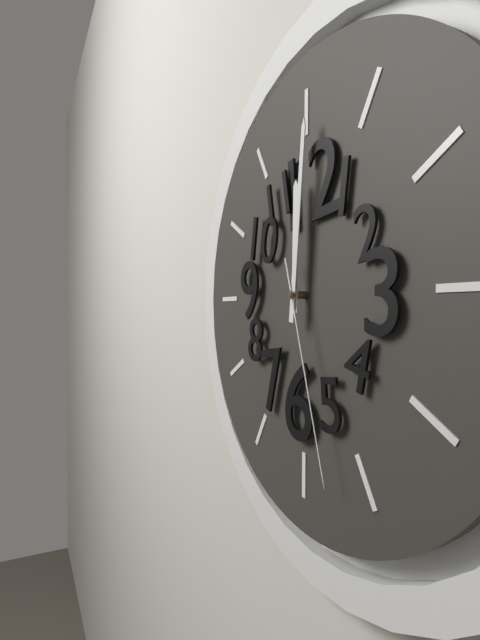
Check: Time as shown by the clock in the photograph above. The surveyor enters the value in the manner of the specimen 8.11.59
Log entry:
12.01.27
